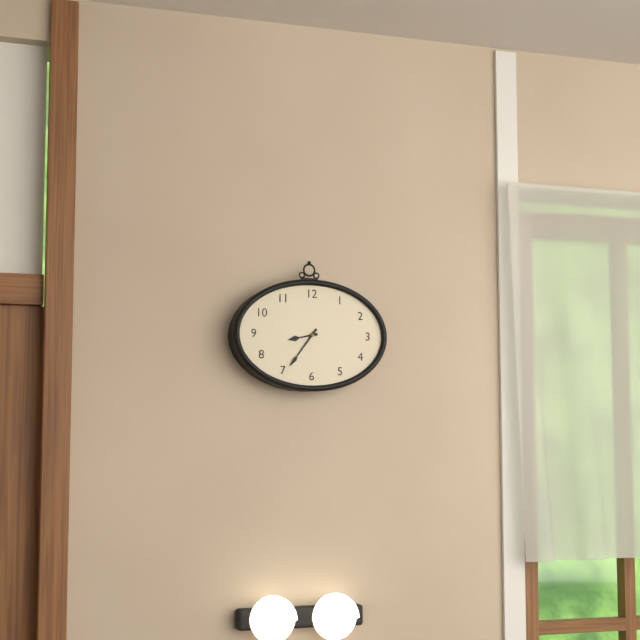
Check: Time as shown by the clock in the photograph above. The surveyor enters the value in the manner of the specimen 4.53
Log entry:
8.36
